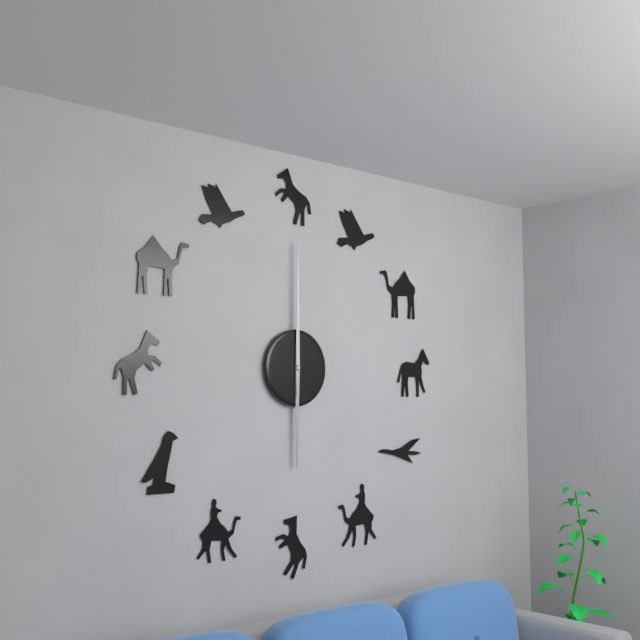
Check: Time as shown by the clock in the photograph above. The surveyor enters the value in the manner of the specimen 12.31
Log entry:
6.00
